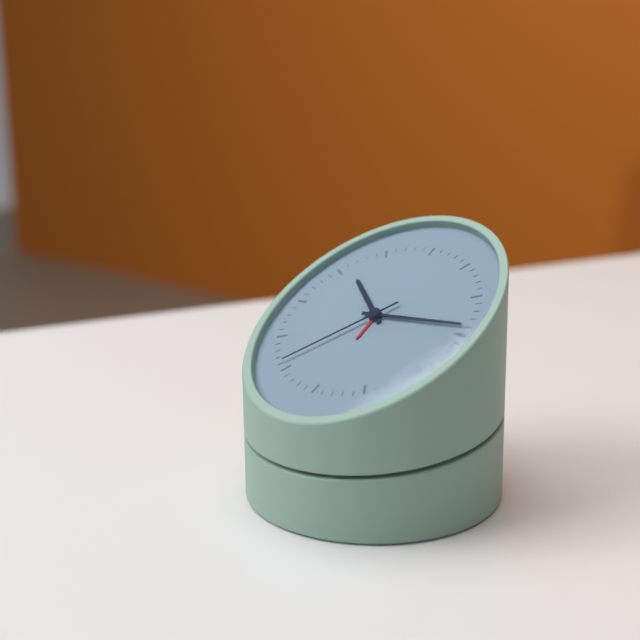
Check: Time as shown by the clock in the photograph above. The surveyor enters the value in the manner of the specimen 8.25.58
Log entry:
10.14.36
